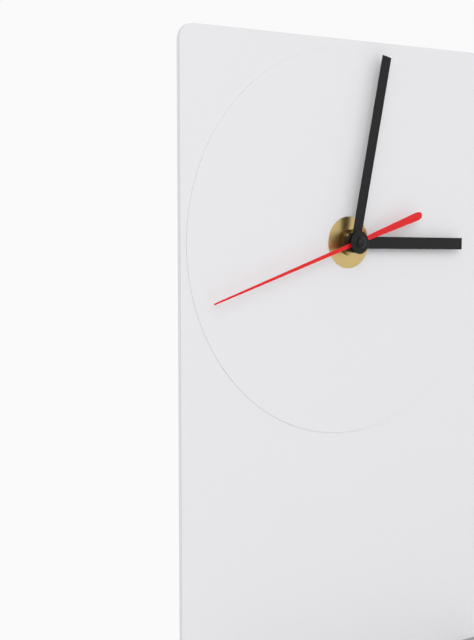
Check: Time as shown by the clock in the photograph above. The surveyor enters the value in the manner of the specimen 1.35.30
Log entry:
3.02.42
